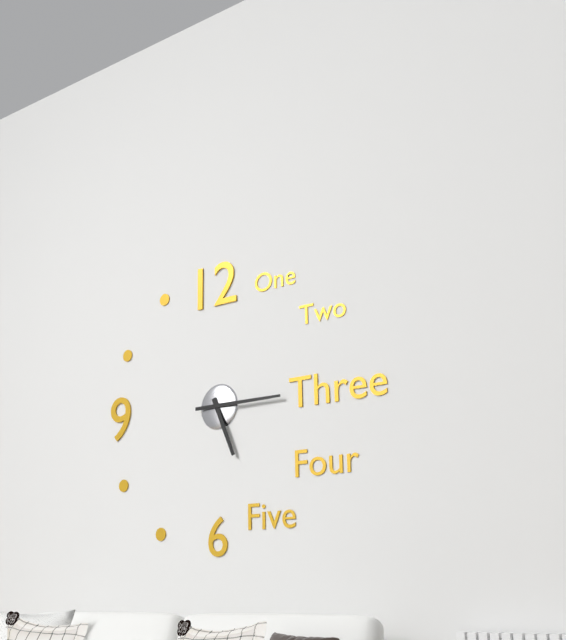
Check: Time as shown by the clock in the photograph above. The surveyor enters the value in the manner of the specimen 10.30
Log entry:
5.15
